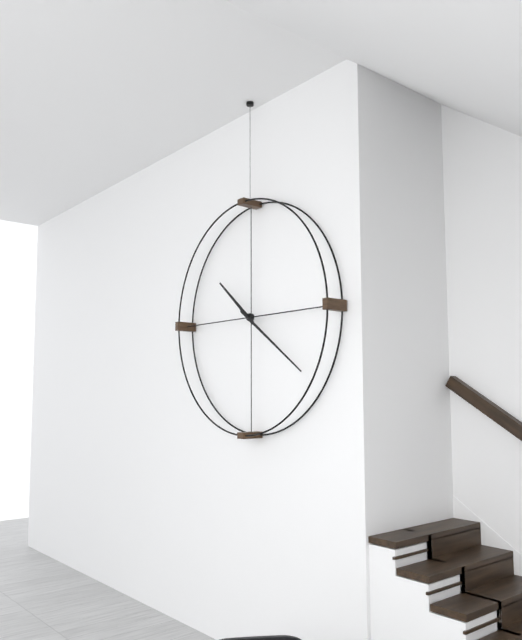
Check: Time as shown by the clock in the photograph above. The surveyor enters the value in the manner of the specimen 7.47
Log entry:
10.21
